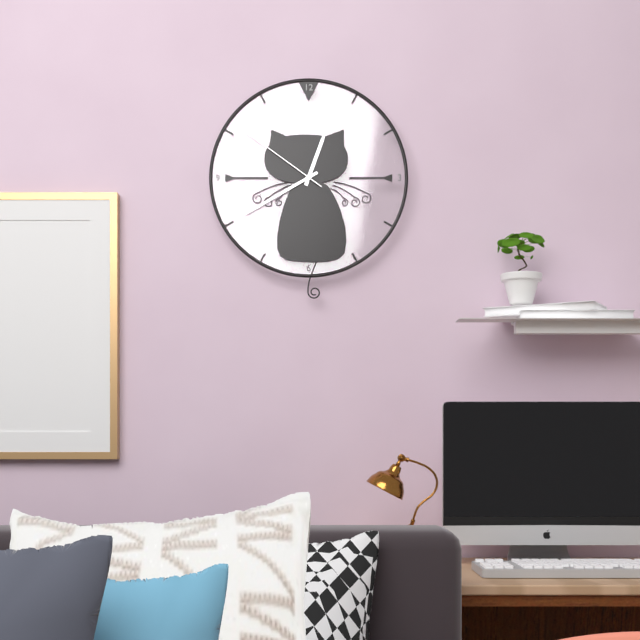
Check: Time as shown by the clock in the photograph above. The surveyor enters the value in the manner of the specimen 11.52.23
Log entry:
12.40.51
